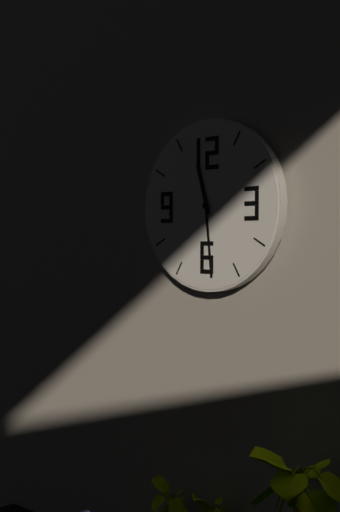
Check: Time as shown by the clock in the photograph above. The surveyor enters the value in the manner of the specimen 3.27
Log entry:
11.29
